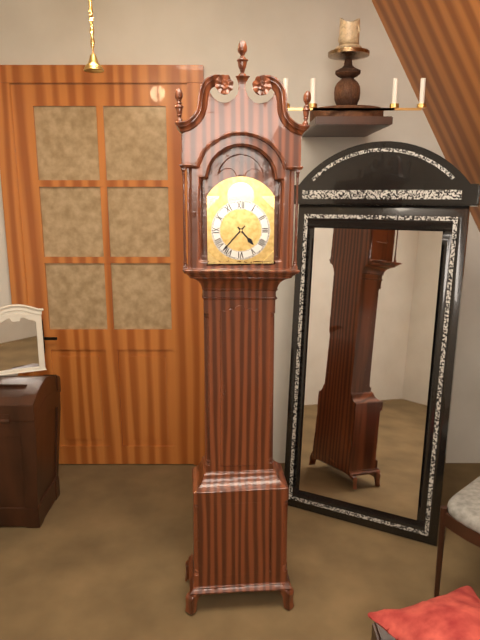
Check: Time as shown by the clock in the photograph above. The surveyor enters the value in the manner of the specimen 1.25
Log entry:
4.37
